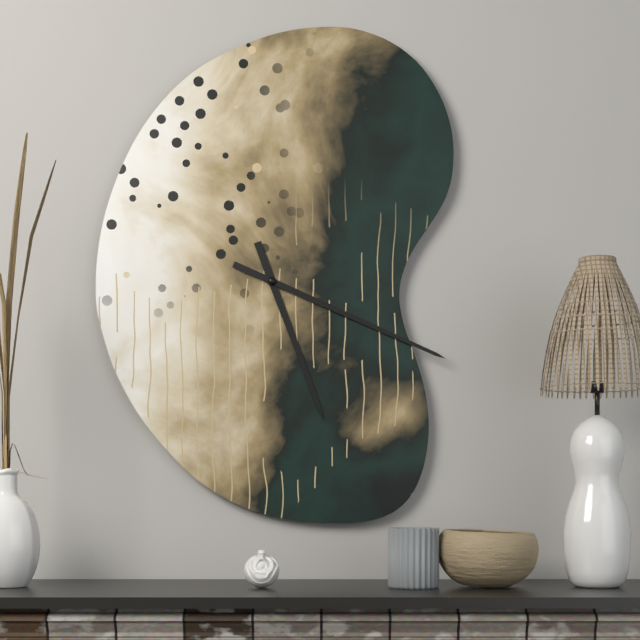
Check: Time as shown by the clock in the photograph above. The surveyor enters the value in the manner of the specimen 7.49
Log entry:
5.19
